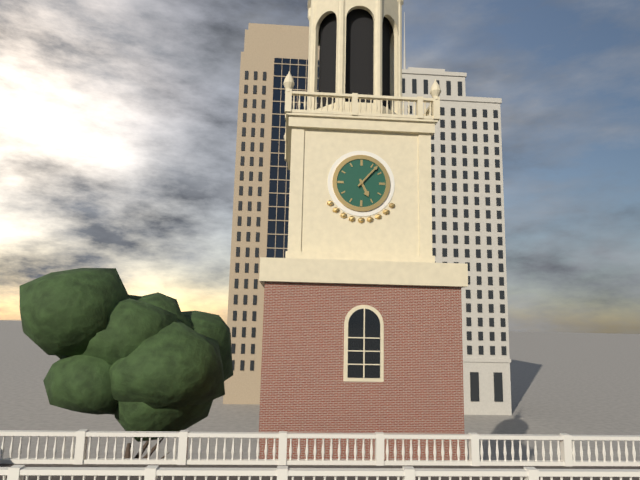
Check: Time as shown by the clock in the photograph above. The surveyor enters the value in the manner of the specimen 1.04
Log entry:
5.07
